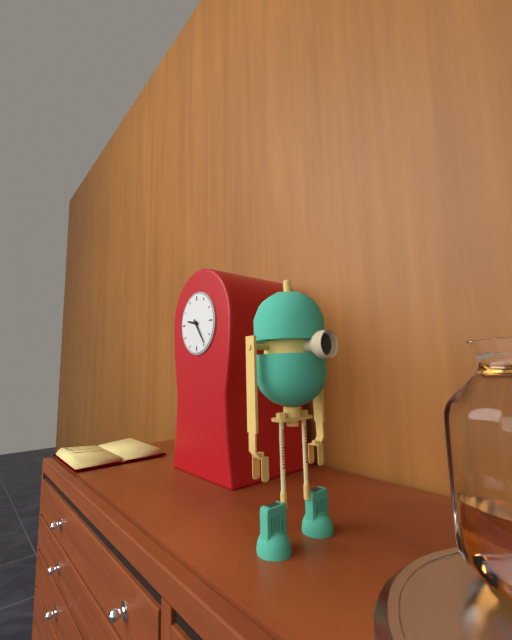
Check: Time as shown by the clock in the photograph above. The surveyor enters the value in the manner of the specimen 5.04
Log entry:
9.24
